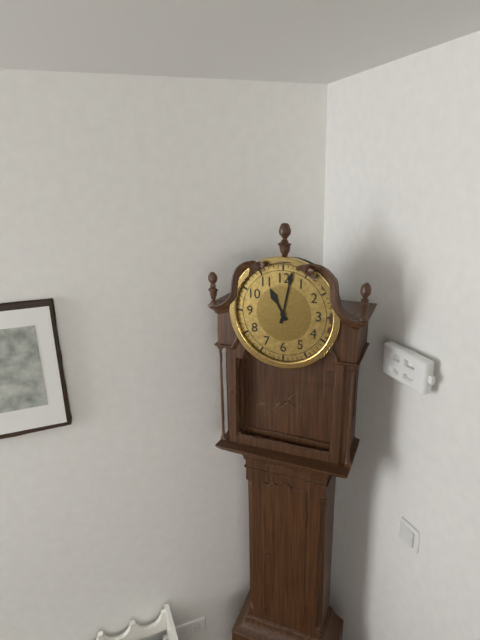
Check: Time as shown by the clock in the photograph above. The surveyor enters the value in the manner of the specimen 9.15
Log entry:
11.02
